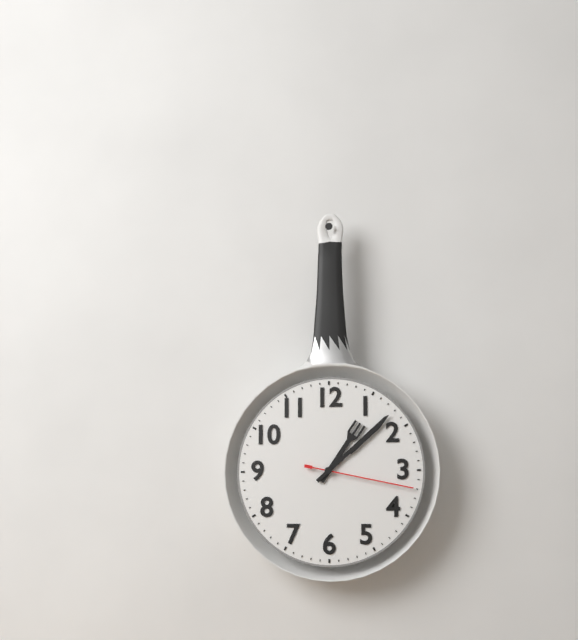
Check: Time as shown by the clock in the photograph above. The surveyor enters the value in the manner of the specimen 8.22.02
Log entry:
1.08.17
